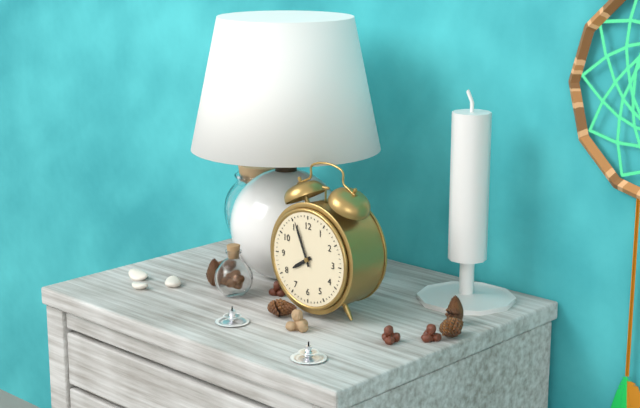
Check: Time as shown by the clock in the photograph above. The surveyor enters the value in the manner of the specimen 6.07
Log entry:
7.56
